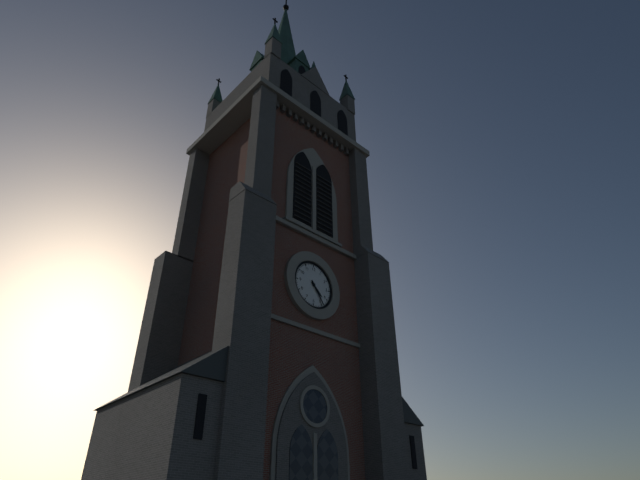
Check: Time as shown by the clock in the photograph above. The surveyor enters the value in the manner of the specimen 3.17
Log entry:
4.24
